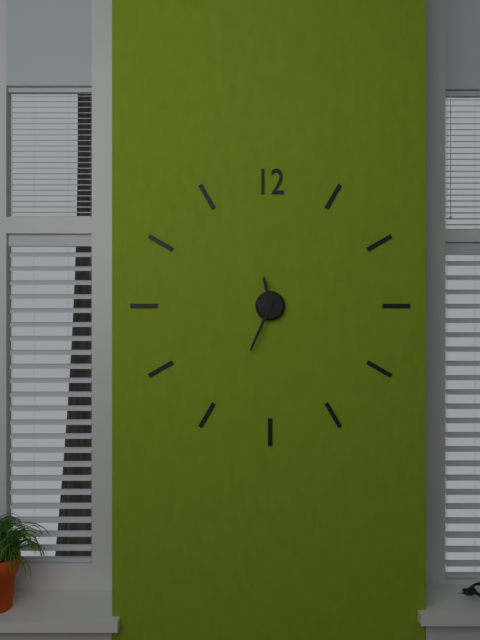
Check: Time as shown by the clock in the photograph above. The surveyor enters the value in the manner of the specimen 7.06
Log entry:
11.34
